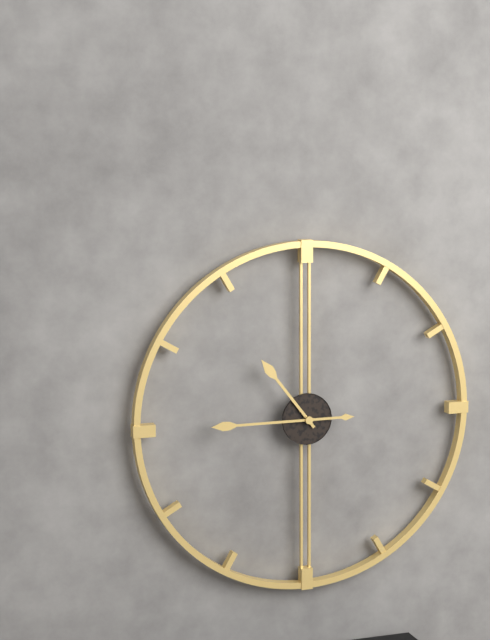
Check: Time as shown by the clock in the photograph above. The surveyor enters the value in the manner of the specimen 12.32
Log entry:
10.45
